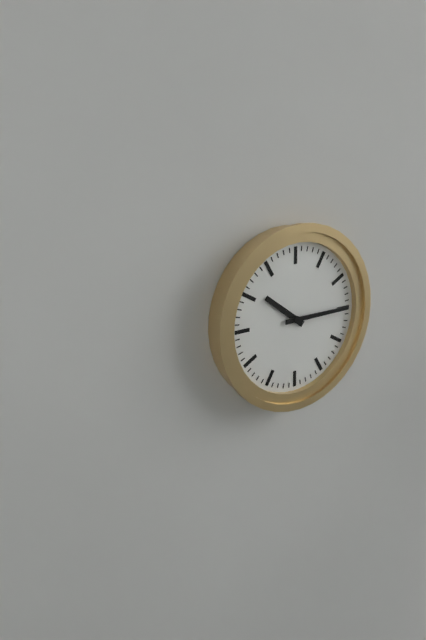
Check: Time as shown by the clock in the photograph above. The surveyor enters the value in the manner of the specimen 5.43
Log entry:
10.15
